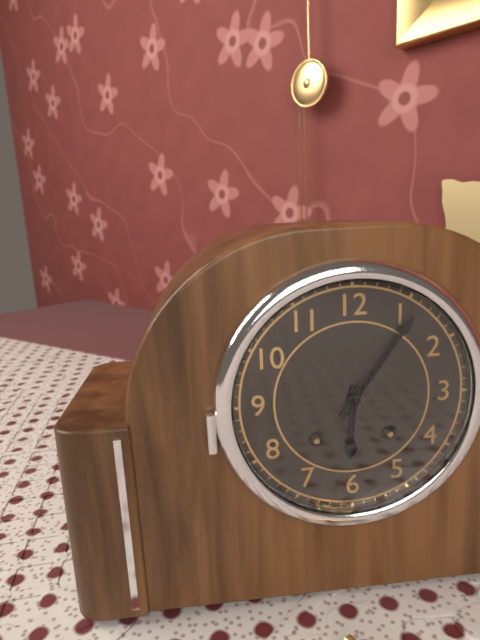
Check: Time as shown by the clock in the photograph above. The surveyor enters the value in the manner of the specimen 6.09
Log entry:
6.06
